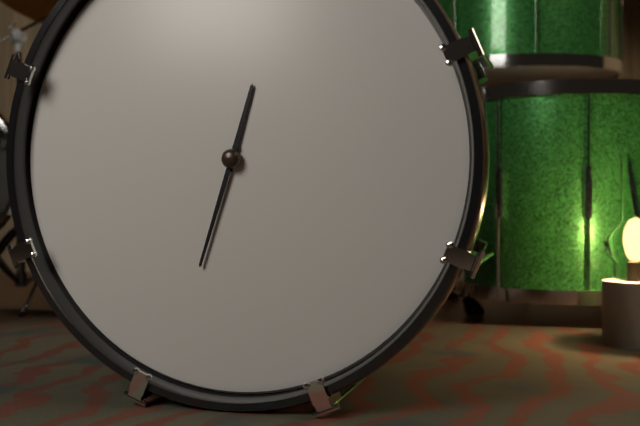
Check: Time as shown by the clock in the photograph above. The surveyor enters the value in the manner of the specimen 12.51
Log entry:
12.33
